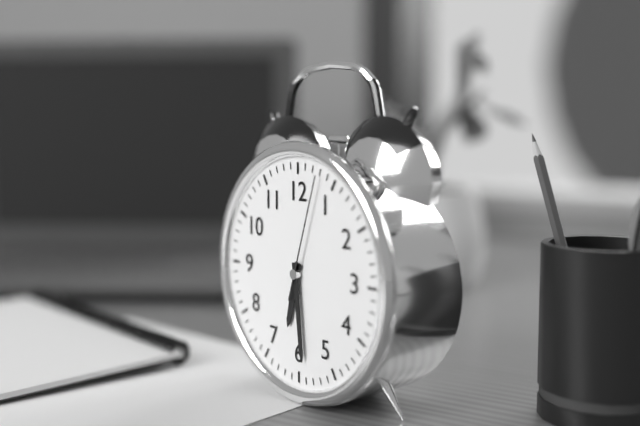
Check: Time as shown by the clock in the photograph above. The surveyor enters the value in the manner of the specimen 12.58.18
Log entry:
6.29.03
